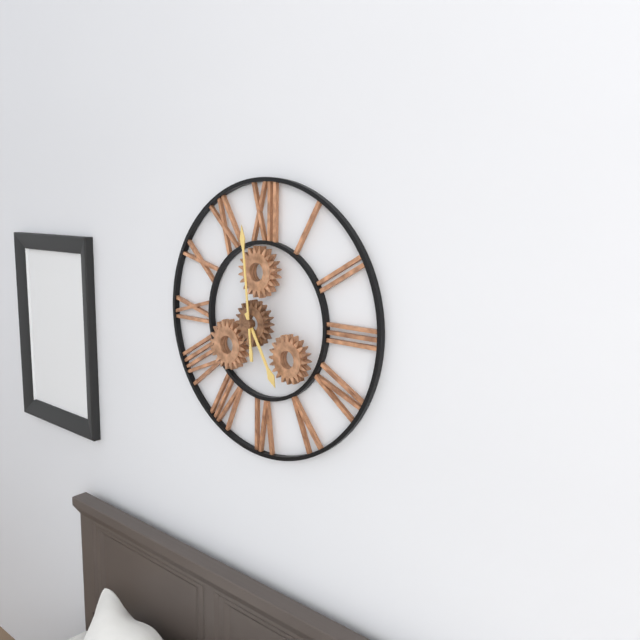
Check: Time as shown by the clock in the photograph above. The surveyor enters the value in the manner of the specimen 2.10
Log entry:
4.59
